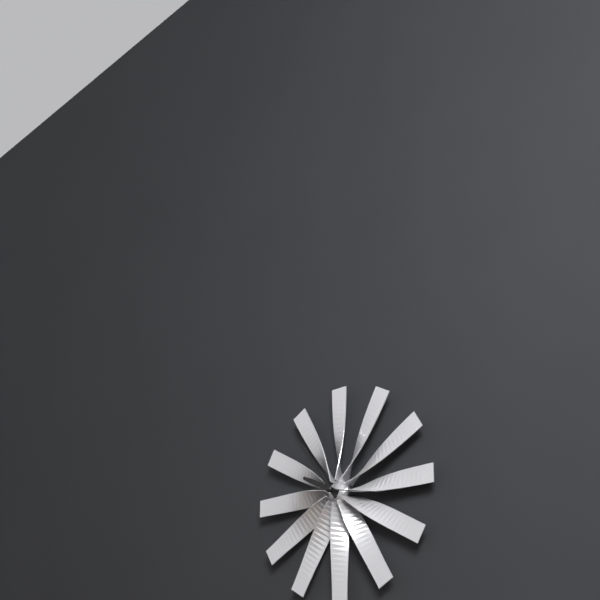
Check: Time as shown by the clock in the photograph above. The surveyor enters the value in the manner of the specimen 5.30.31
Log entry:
9.54.17
